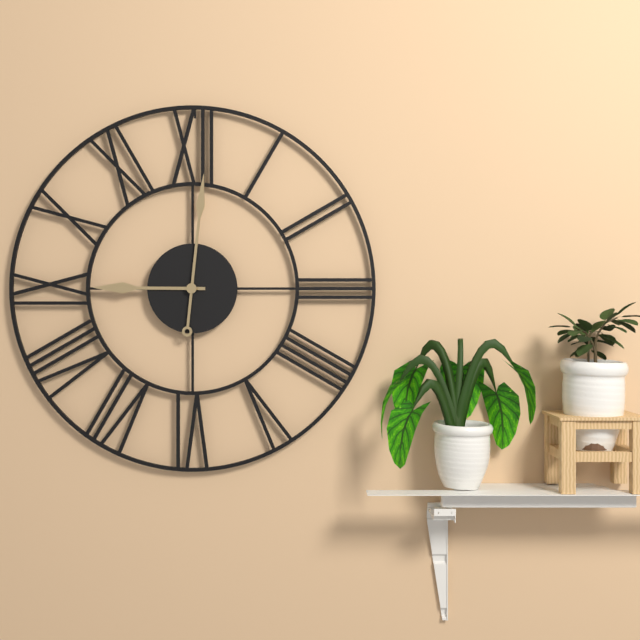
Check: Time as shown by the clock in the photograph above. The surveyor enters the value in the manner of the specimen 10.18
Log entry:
9.01
